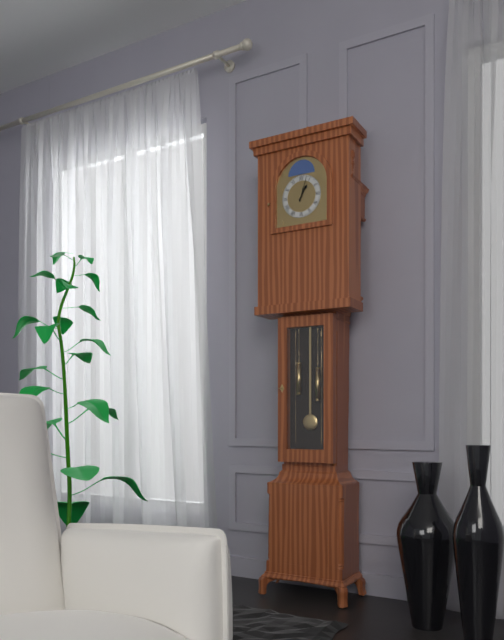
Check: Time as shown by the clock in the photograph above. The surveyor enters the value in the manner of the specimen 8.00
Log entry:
1.03
